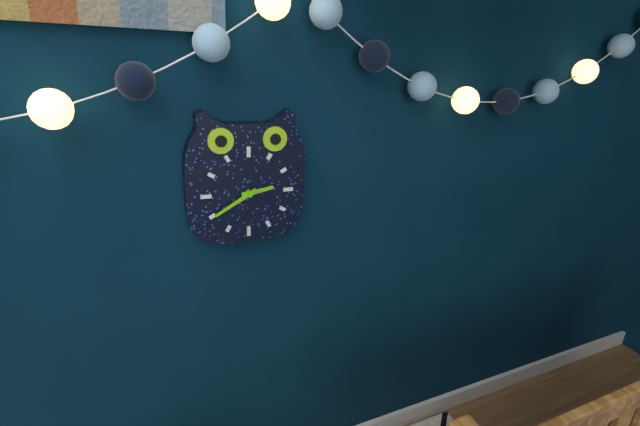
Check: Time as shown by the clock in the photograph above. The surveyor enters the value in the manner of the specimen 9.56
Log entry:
2.40
